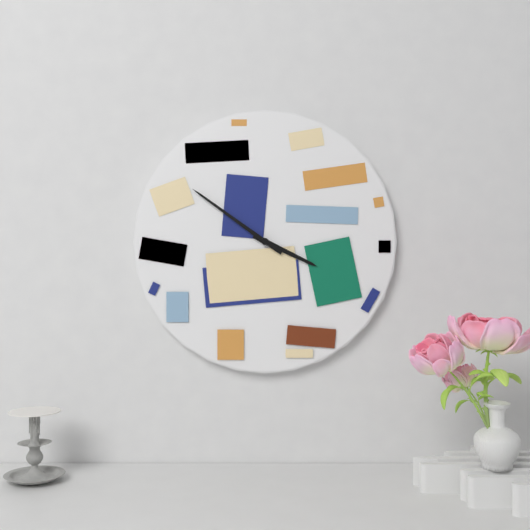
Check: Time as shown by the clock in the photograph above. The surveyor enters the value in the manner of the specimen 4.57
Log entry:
3.51
